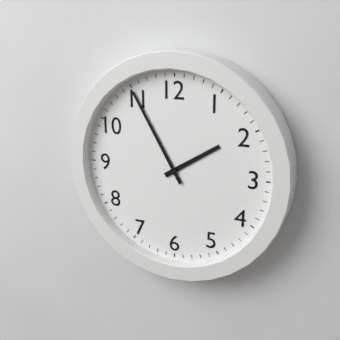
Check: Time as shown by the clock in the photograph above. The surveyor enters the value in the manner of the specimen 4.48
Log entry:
1.55
